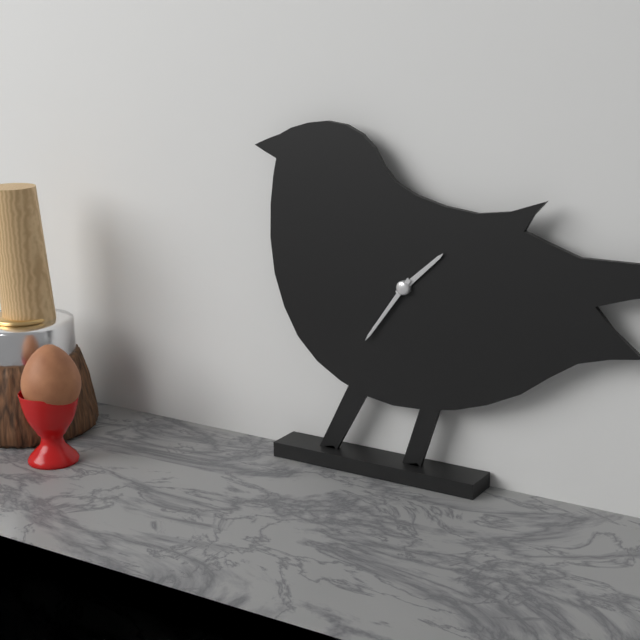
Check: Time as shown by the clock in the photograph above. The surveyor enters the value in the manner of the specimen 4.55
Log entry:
1.36
